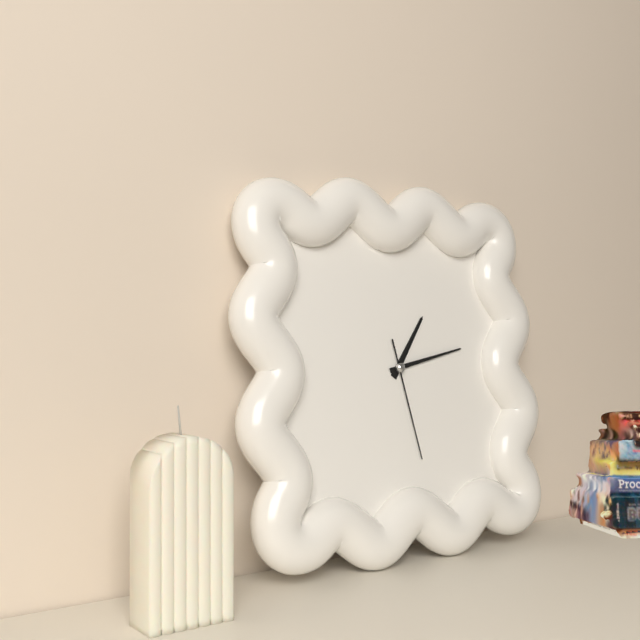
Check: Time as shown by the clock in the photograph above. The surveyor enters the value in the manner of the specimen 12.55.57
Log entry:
1.13.28
